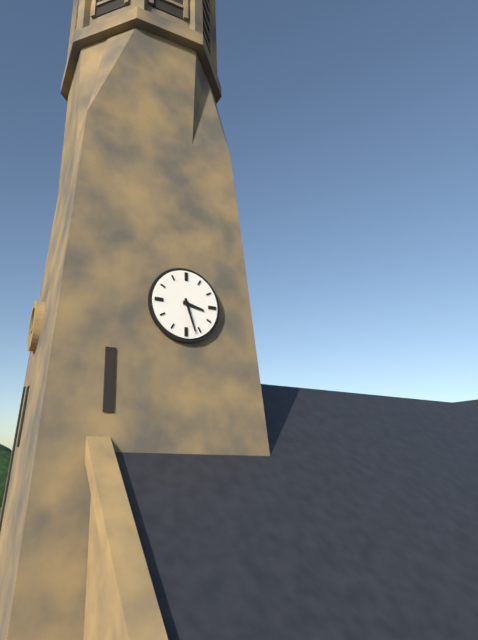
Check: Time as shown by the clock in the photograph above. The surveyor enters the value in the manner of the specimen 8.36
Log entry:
3.27
